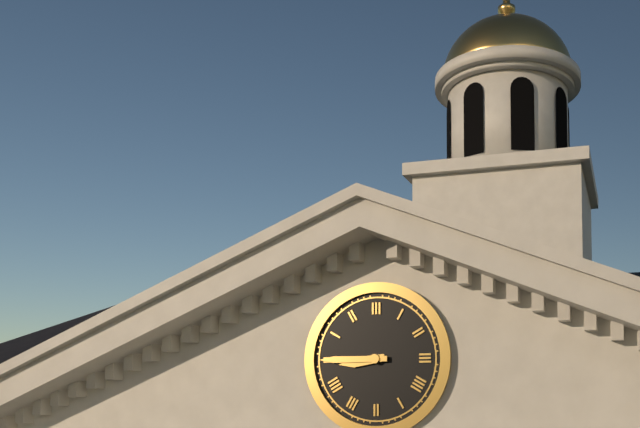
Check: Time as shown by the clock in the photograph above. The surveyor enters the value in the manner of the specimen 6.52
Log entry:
8.45
